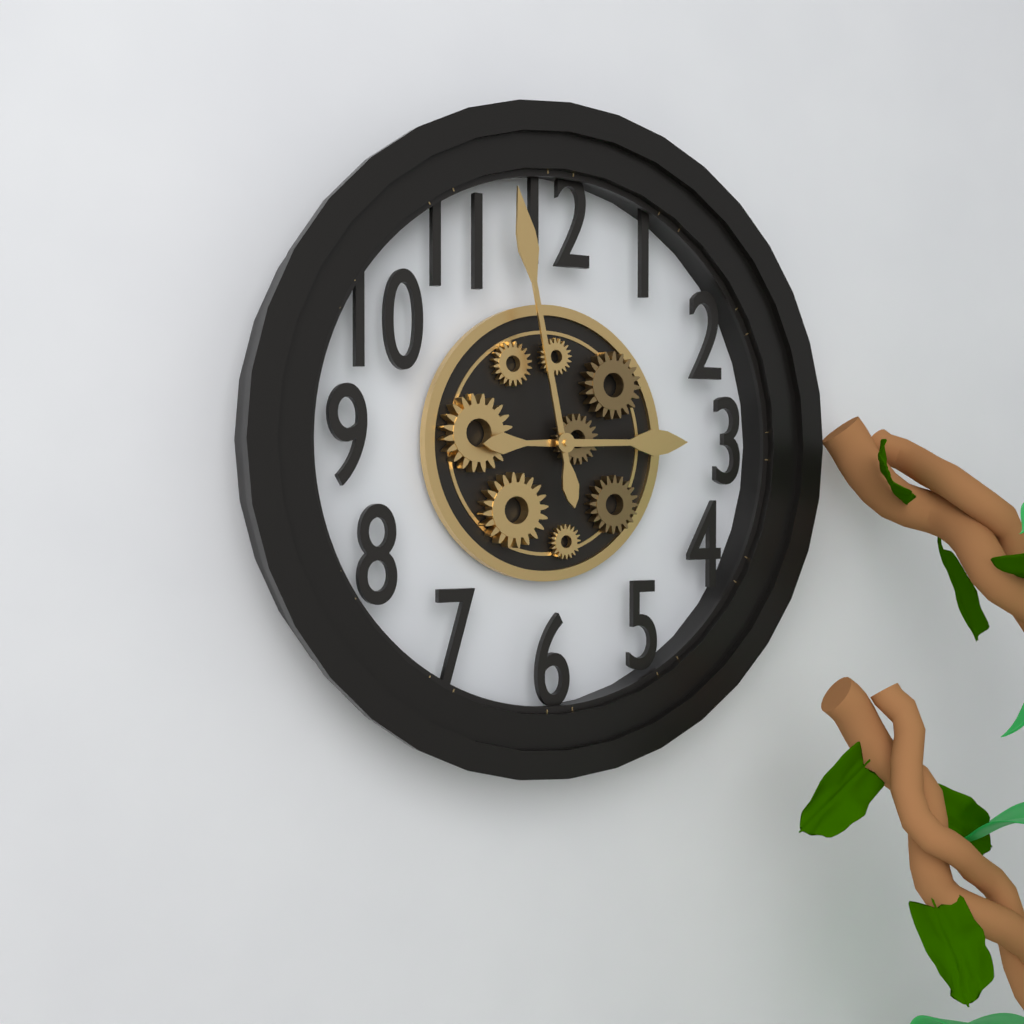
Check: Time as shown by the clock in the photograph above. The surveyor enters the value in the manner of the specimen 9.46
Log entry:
2.58
